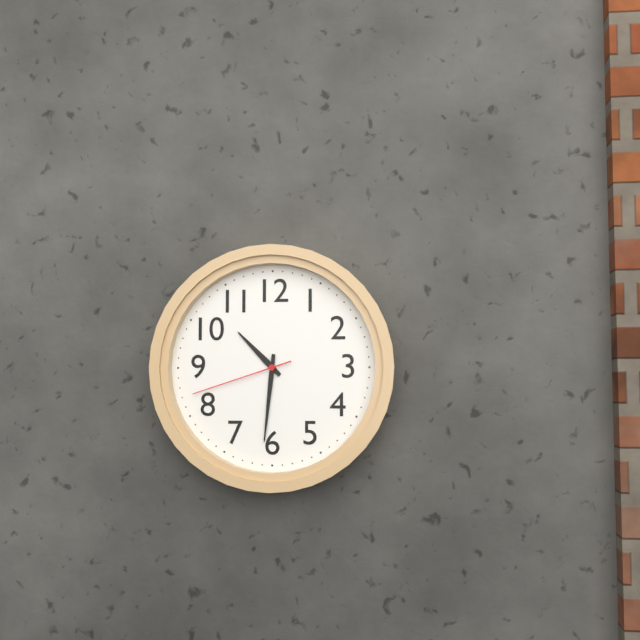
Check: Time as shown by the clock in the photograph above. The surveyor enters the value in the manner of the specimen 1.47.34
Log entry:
10.31.42
